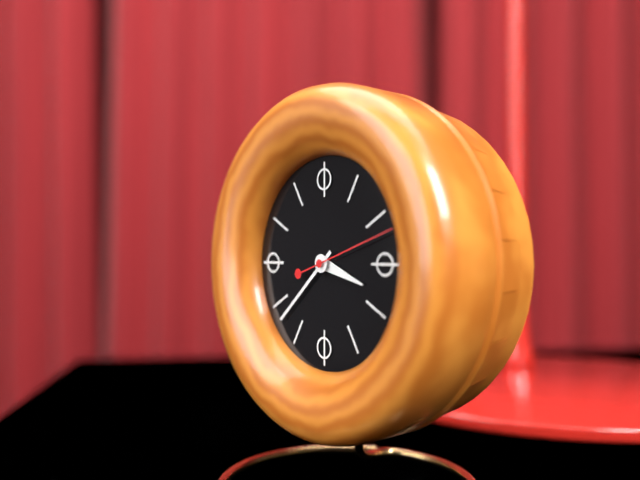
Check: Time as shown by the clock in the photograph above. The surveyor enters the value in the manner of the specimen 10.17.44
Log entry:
3.38.12
